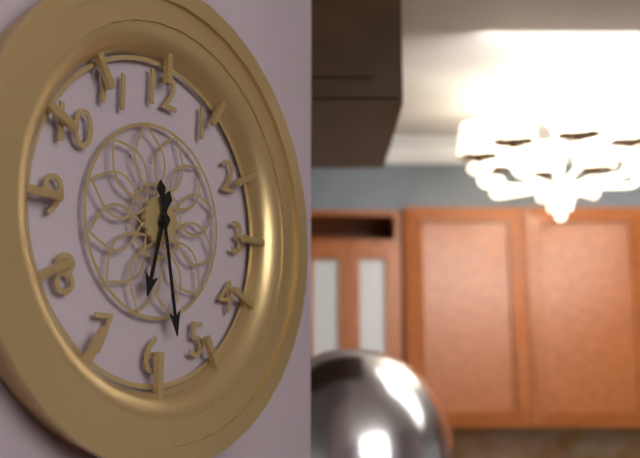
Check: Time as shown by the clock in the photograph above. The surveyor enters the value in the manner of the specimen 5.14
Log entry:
6.28
